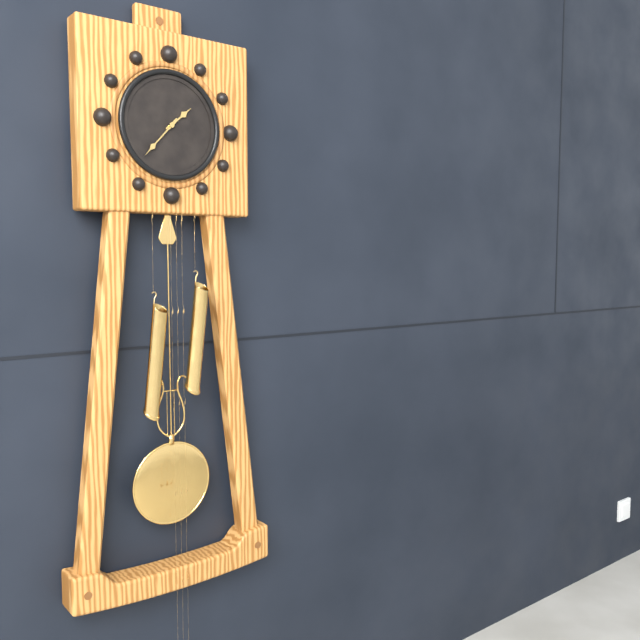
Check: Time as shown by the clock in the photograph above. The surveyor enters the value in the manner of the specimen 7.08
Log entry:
1.37
